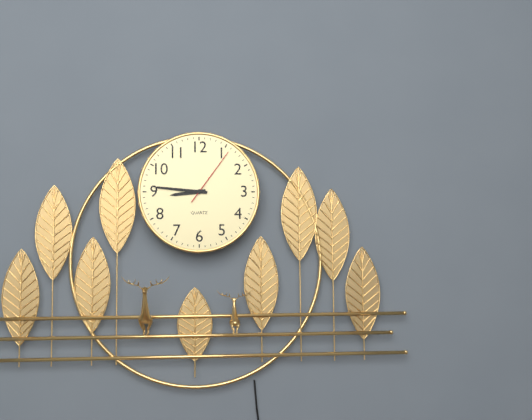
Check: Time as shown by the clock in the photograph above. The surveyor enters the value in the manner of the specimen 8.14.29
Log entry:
8.46.06
